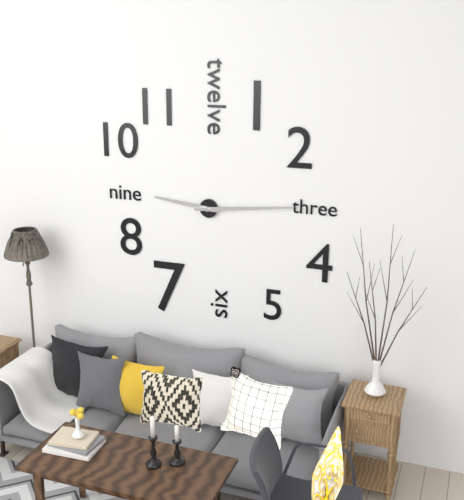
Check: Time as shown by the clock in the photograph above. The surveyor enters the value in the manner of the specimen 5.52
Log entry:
9.14
